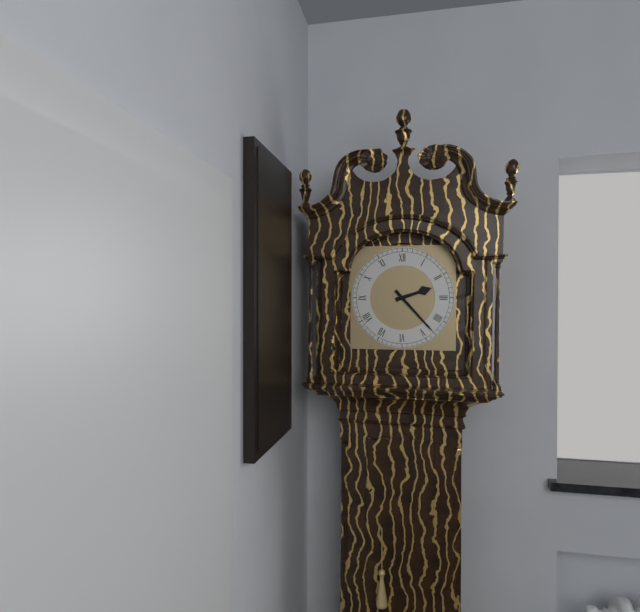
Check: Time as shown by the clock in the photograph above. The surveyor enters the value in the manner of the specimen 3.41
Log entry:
2.23
